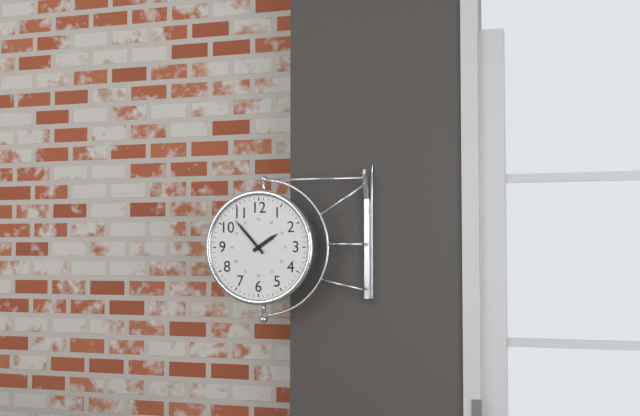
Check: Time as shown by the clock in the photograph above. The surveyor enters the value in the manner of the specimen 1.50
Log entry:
1.53
